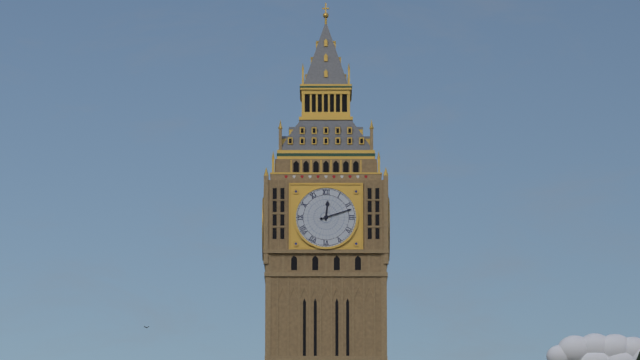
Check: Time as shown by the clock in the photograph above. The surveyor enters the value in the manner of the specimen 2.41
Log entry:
12.12
